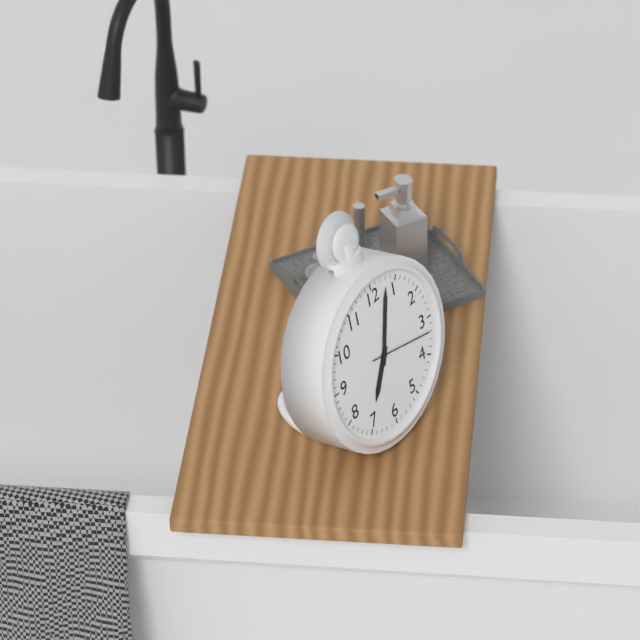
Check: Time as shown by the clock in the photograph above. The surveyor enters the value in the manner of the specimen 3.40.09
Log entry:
7.03.17
